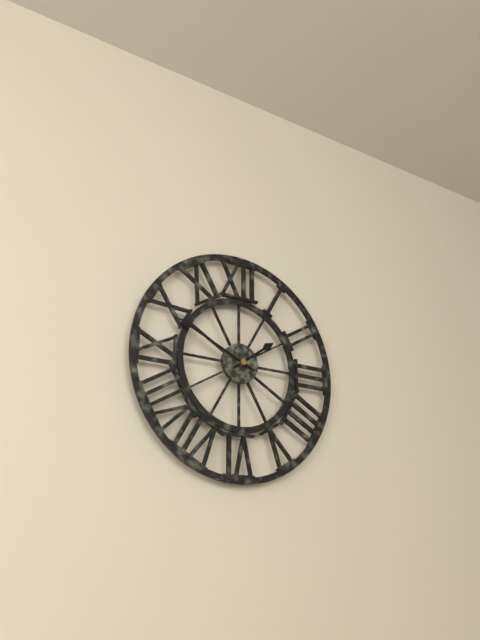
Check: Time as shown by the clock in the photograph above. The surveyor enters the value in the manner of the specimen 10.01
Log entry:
1.49
